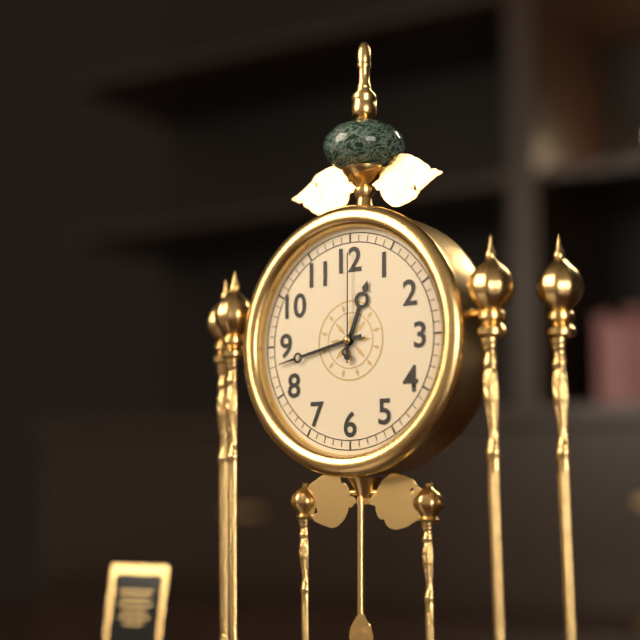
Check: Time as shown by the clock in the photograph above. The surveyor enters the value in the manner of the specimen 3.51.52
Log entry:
12.43.00
